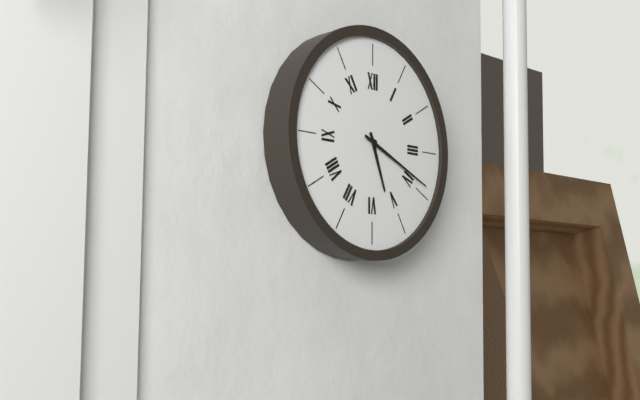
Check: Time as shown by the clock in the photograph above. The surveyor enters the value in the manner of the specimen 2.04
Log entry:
5.19
